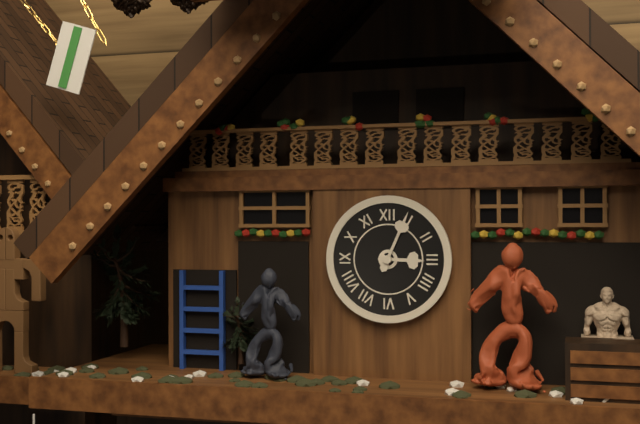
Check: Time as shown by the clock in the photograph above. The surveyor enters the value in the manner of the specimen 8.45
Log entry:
3.04
